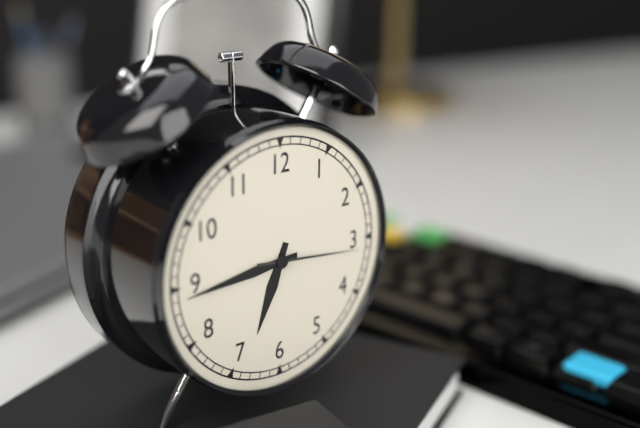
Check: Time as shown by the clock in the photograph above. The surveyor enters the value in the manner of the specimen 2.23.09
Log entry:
6.44.16
